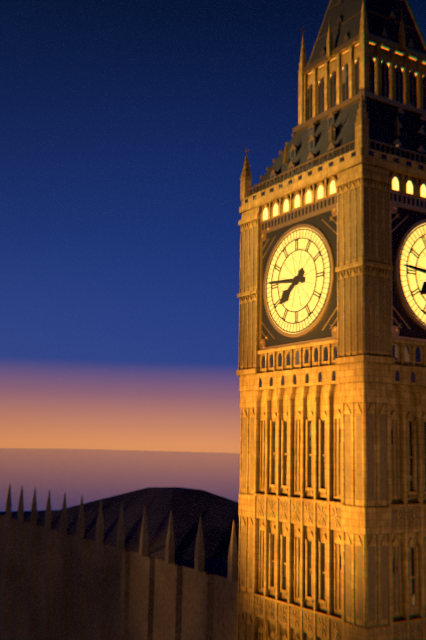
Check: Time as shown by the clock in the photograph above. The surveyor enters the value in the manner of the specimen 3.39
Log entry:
7.46
